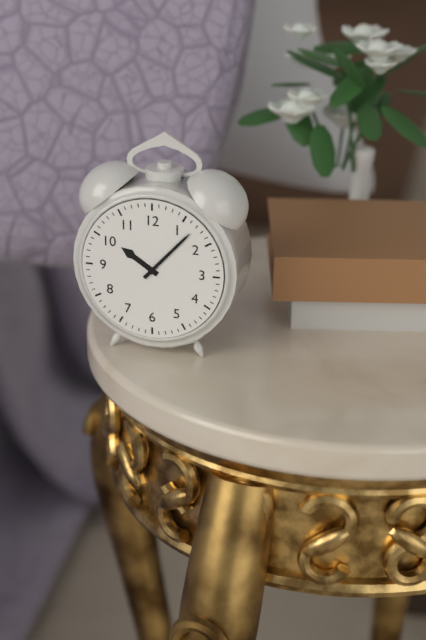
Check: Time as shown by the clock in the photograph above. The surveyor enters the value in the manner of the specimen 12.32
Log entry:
10.07
